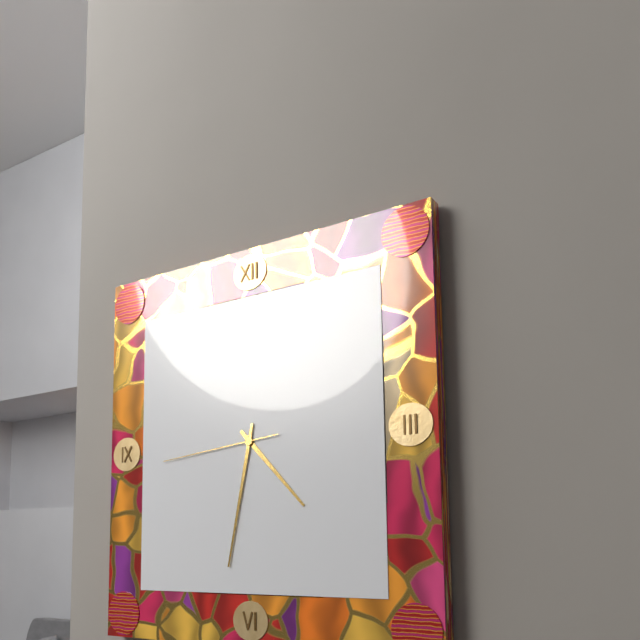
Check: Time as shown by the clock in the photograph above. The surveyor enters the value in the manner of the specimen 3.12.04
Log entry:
4.32.44
